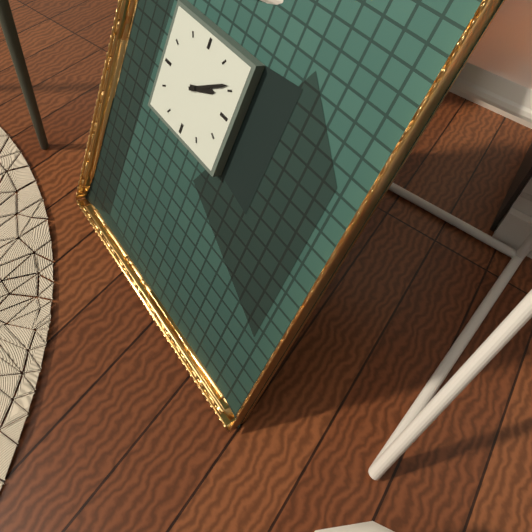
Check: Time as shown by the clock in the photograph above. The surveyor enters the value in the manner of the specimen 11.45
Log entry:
2.09
